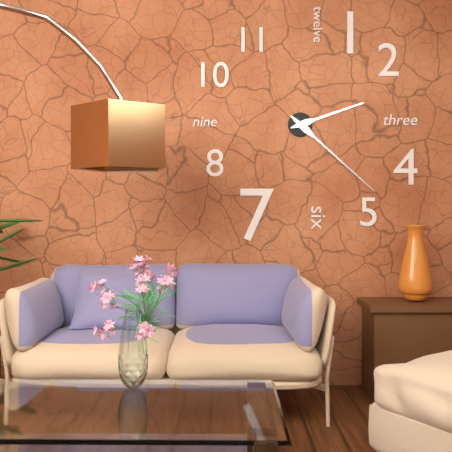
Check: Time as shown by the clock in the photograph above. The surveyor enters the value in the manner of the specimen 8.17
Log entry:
2.22
